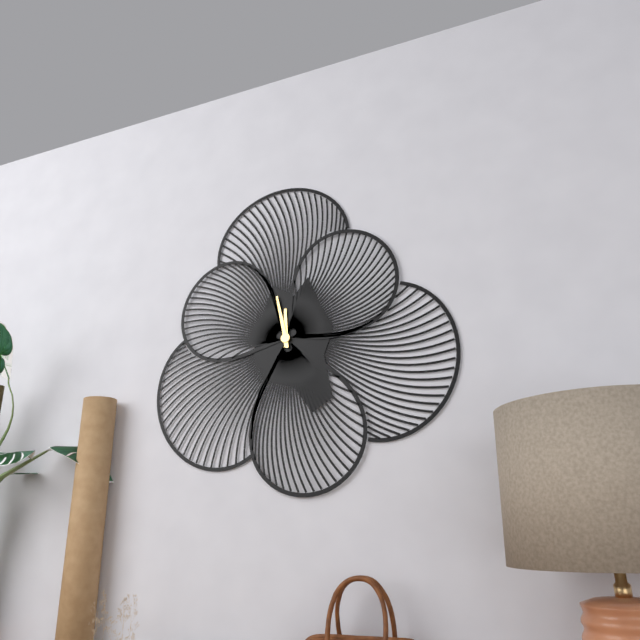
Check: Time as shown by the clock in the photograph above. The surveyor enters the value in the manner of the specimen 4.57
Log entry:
11.58
